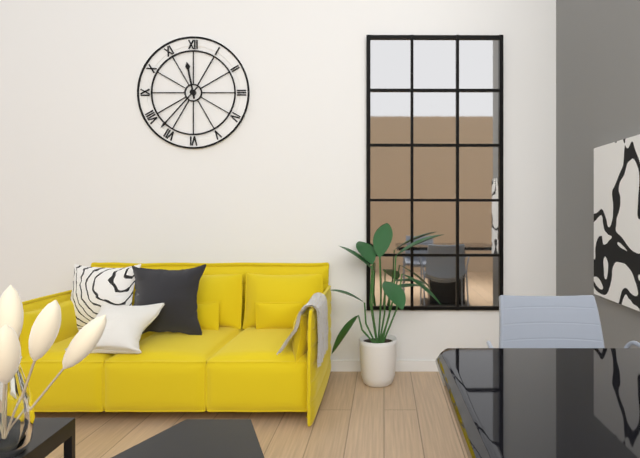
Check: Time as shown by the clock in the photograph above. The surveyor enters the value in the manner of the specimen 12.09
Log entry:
11.37
